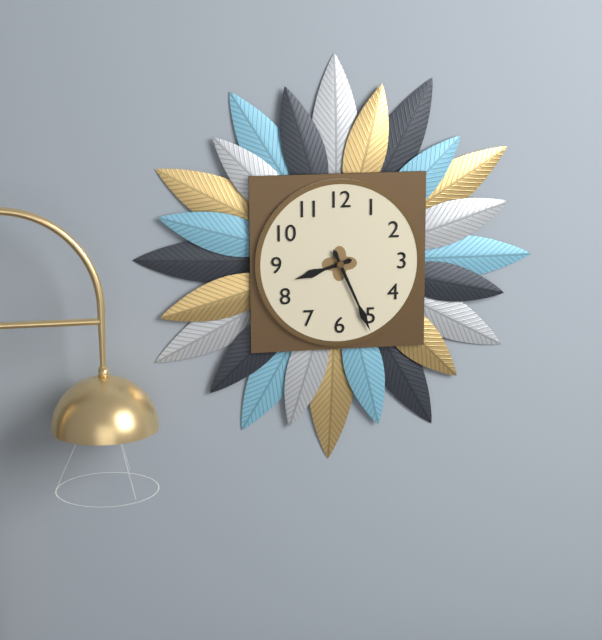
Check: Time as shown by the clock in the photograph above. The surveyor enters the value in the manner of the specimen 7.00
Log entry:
8.26
